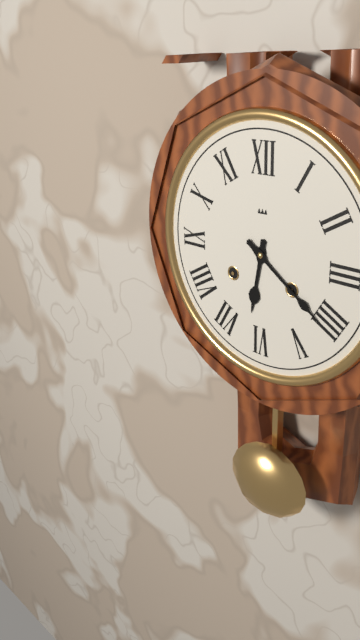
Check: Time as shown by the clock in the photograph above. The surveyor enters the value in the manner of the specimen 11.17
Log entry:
6.21
